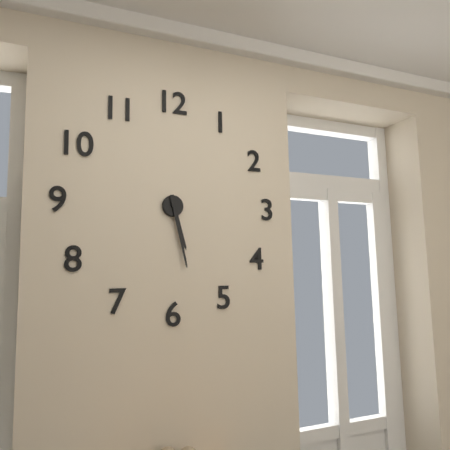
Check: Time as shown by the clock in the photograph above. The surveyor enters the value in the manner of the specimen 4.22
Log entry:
5.28
